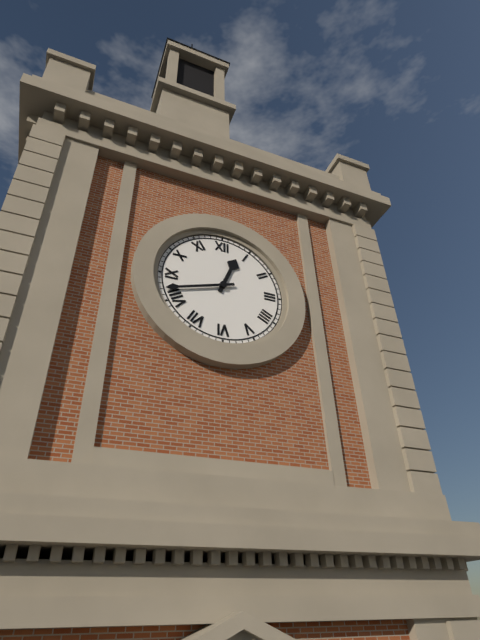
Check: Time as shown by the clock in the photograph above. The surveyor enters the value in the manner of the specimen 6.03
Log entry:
12.42
